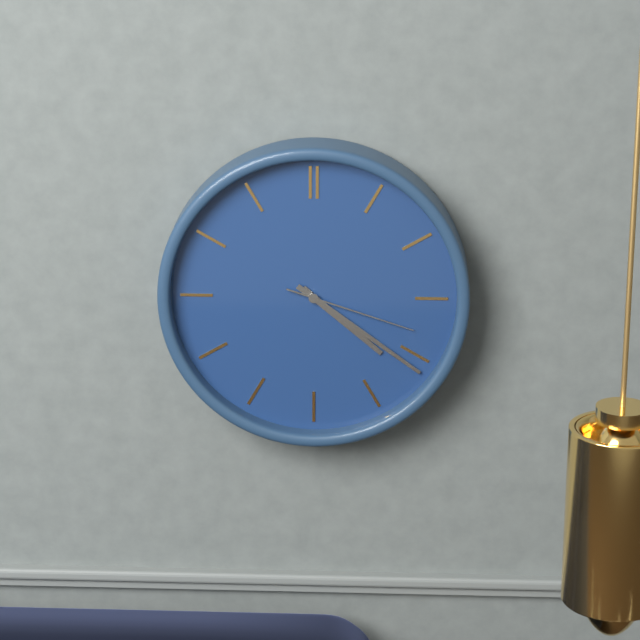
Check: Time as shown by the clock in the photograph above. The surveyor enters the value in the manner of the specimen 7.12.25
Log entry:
4.21.18
